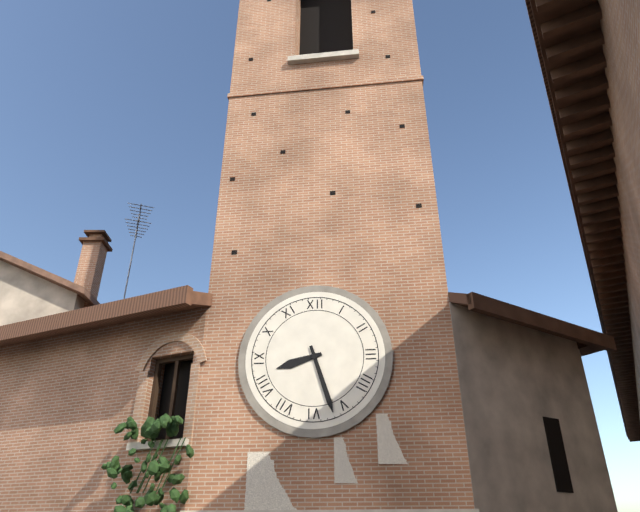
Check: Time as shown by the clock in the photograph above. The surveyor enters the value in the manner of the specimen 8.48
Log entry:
8.27
